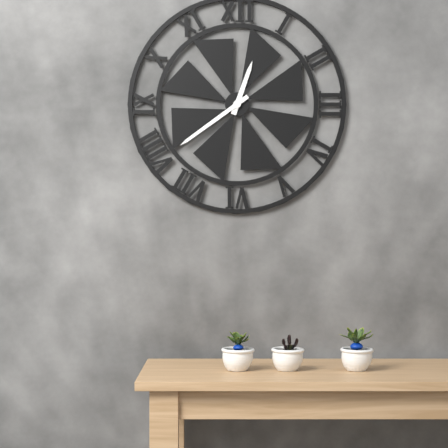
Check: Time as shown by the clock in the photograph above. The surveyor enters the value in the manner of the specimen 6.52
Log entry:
12.39
